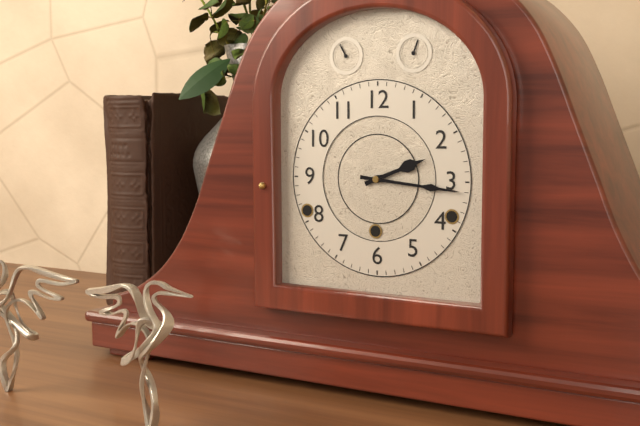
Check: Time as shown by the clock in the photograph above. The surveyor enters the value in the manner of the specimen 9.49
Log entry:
2.16
